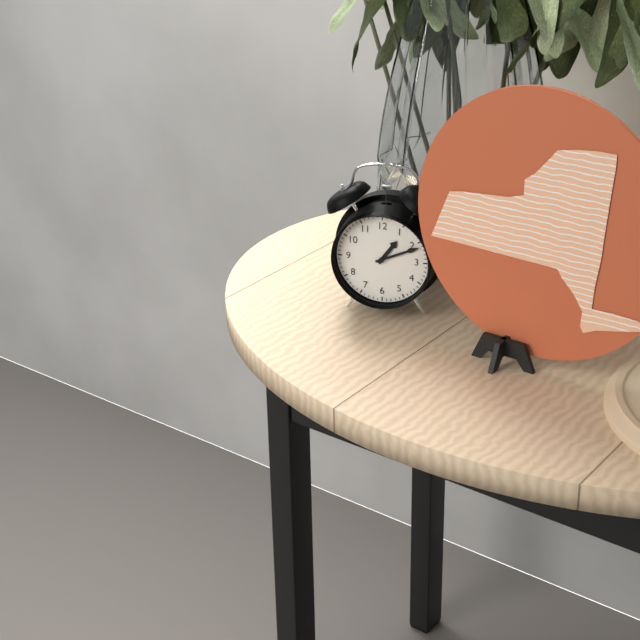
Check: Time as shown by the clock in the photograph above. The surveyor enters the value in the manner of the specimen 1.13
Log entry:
1.11
